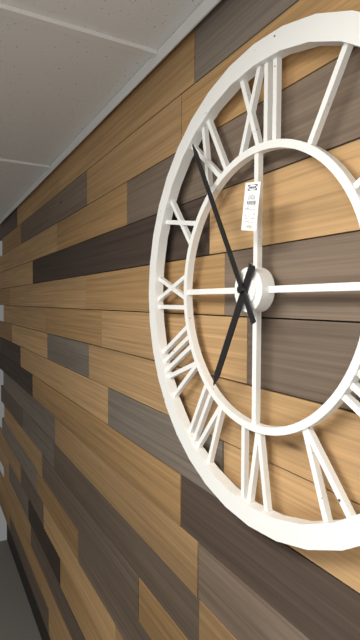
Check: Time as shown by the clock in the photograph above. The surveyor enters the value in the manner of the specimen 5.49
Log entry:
6.55
